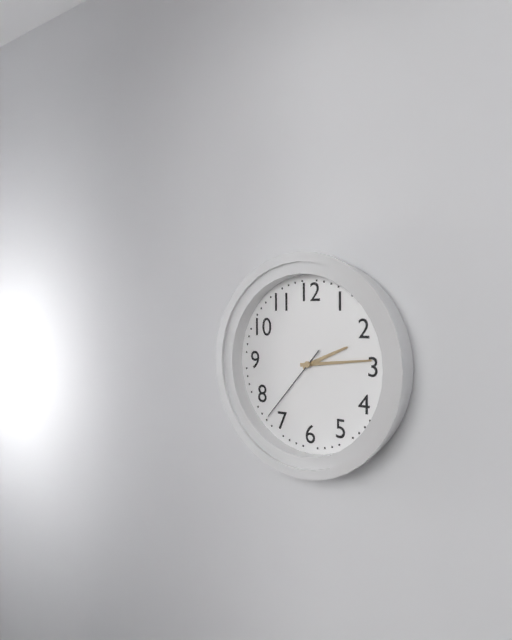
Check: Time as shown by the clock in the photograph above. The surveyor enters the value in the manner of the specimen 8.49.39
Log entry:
2.14.37
